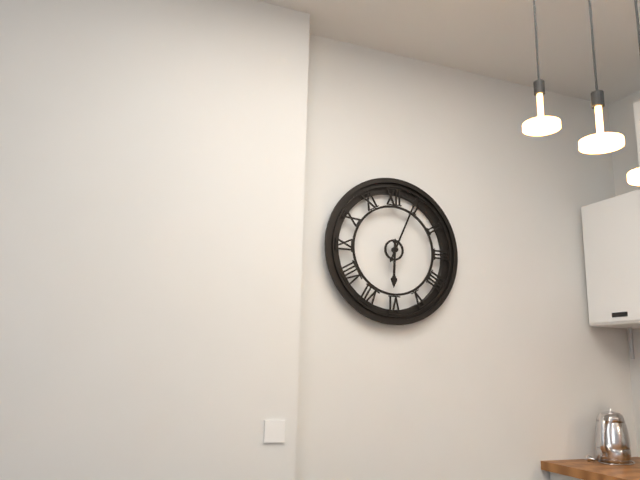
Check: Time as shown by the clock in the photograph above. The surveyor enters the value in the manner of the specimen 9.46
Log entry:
6.04
